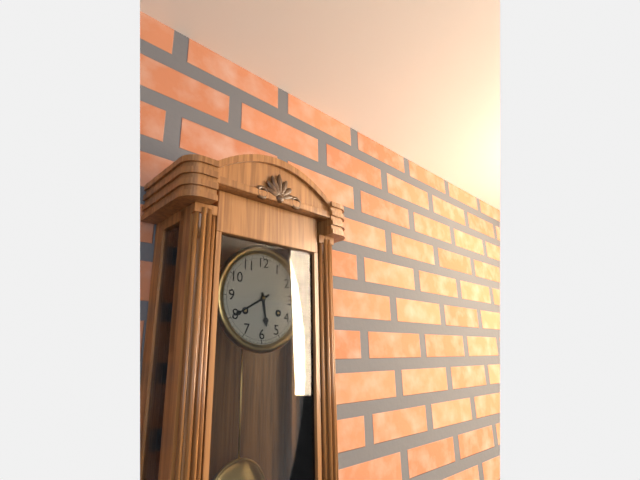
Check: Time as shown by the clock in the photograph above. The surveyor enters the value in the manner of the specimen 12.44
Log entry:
5.40
